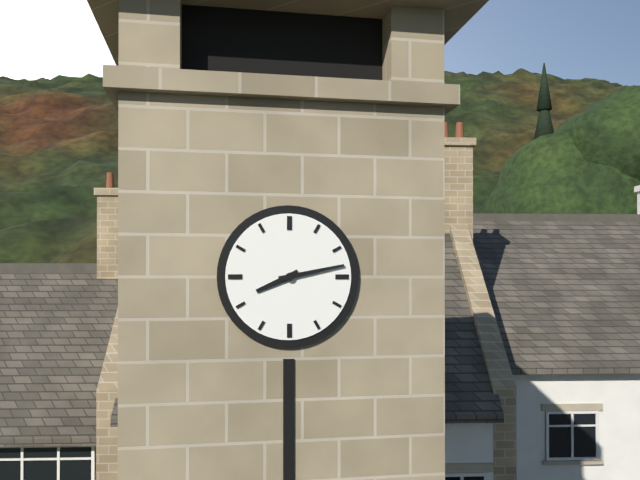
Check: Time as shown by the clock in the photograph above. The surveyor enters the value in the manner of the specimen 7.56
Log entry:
8.13
